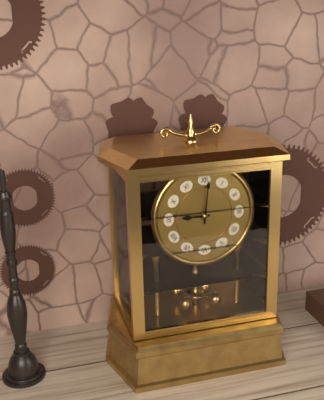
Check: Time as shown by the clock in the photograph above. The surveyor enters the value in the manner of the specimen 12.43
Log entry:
9.01
